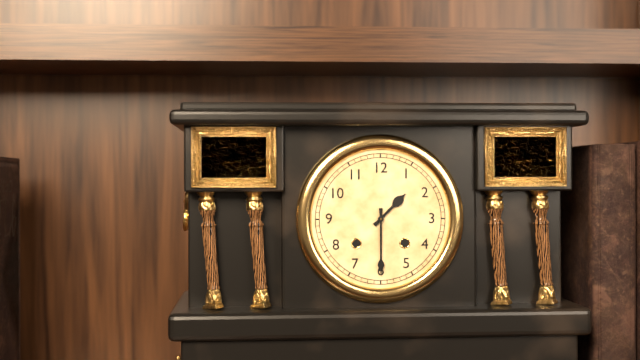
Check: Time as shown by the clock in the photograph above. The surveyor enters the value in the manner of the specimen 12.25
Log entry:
1.30
